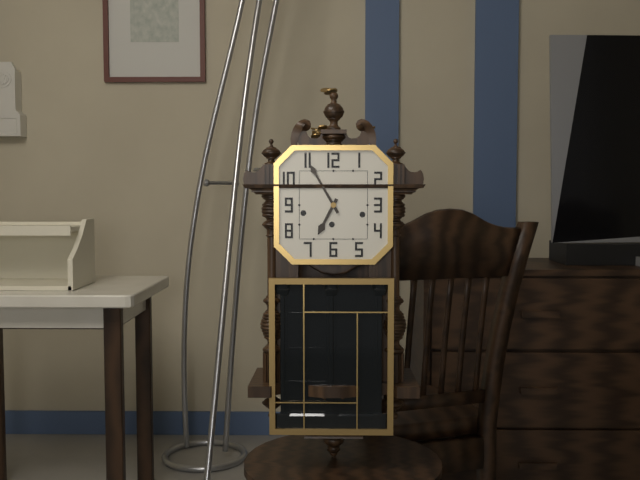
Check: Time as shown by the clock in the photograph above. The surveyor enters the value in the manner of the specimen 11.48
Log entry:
6.55
